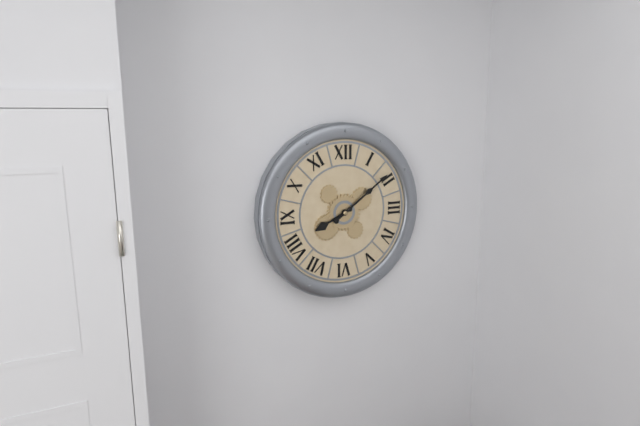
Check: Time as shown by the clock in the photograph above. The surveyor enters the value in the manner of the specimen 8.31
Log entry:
8.09
